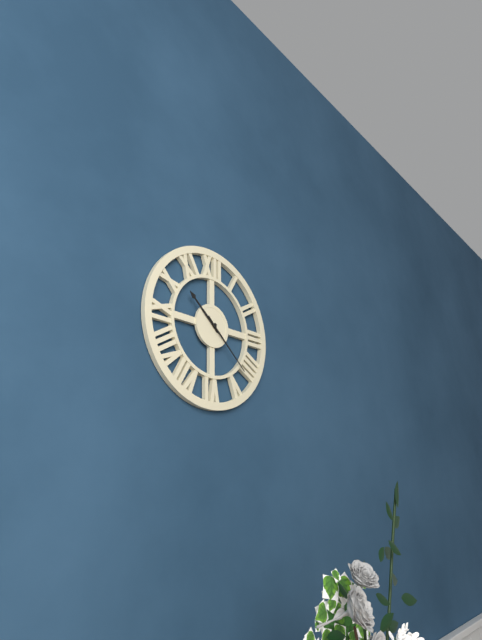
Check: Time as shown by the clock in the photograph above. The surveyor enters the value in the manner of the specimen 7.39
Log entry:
10.22
